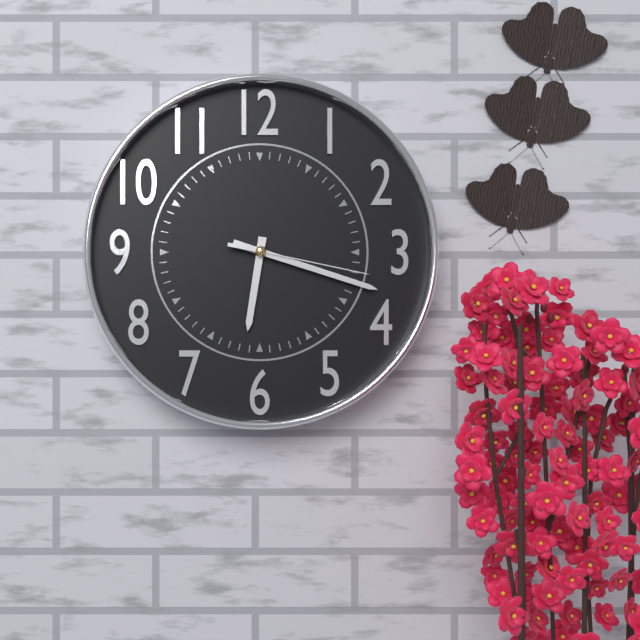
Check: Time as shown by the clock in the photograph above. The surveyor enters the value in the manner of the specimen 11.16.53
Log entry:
6.18.17
